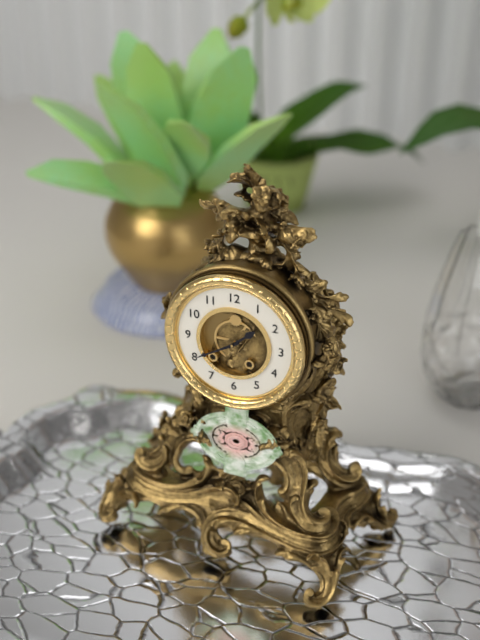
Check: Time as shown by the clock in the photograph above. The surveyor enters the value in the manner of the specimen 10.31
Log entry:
1.40
